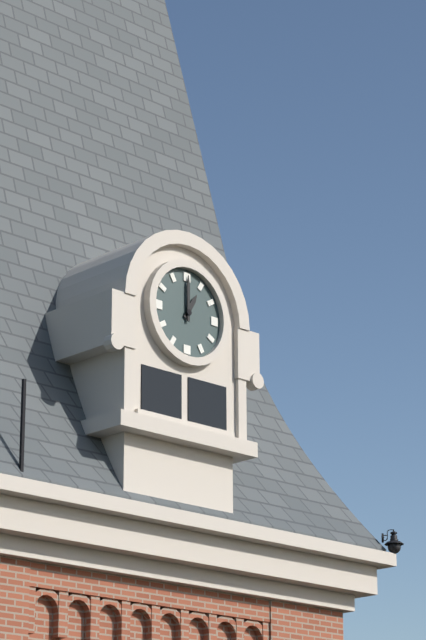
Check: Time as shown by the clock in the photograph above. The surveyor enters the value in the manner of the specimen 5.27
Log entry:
1.00
